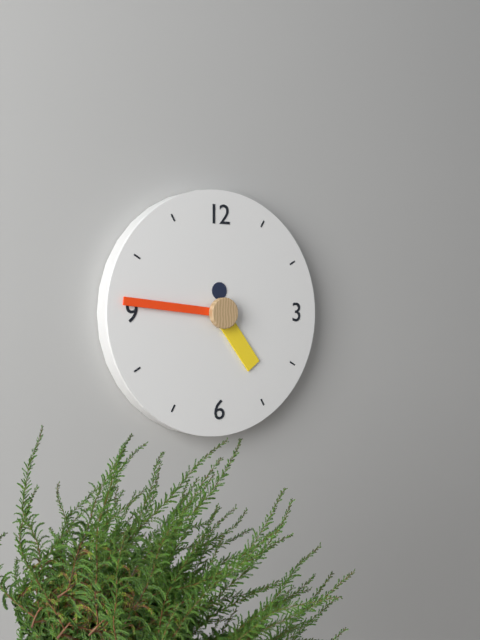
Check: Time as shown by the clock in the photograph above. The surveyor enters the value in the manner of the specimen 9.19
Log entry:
4.46
